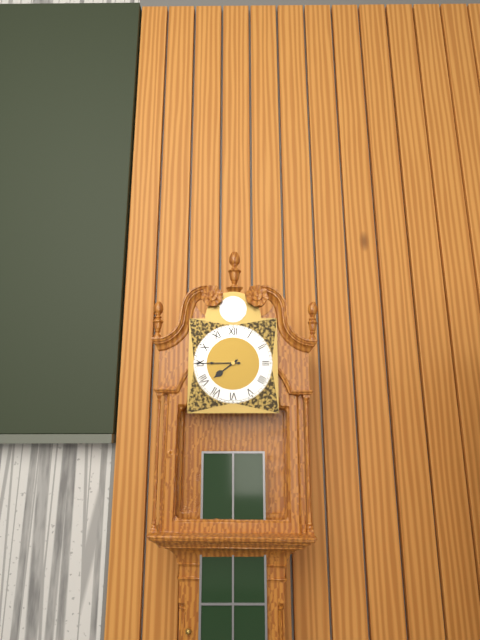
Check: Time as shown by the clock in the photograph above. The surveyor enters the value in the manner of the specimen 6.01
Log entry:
7.45
